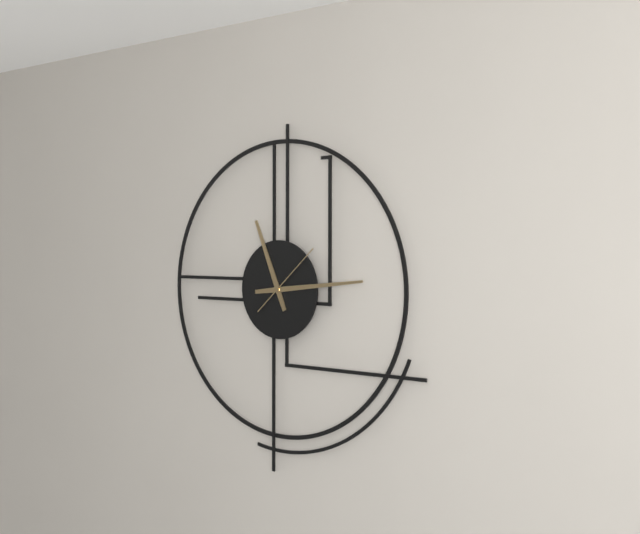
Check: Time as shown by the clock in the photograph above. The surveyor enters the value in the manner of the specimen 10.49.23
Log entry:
11.14.08
